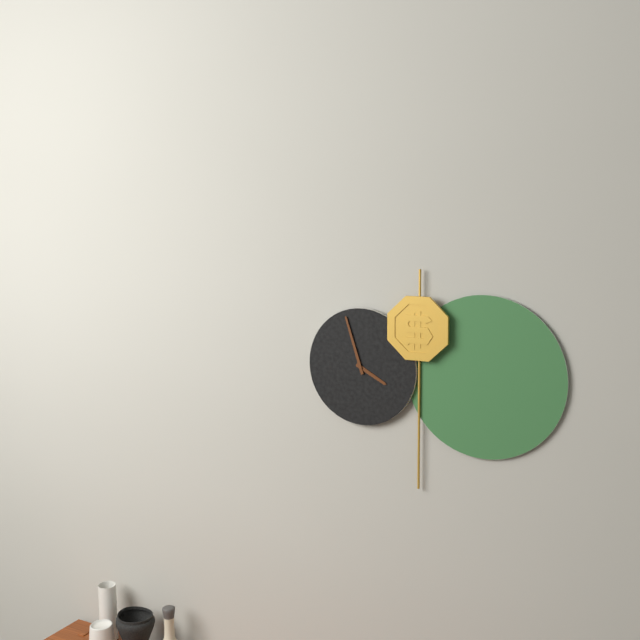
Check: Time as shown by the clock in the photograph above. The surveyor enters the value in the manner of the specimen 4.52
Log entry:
3.57
